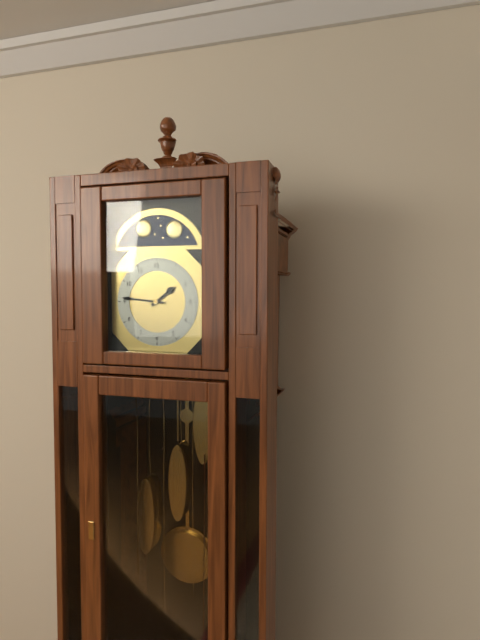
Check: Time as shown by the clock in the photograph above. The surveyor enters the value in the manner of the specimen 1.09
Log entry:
1.46
